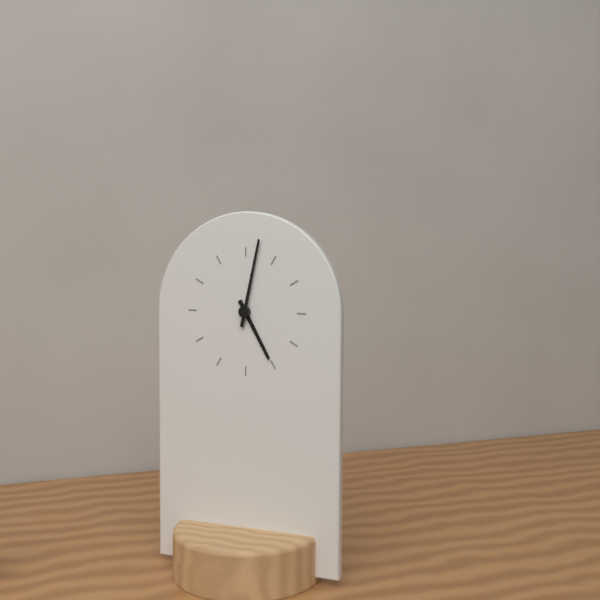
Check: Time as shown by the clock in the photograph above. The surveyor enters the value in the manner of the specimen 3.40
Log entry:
5.02
